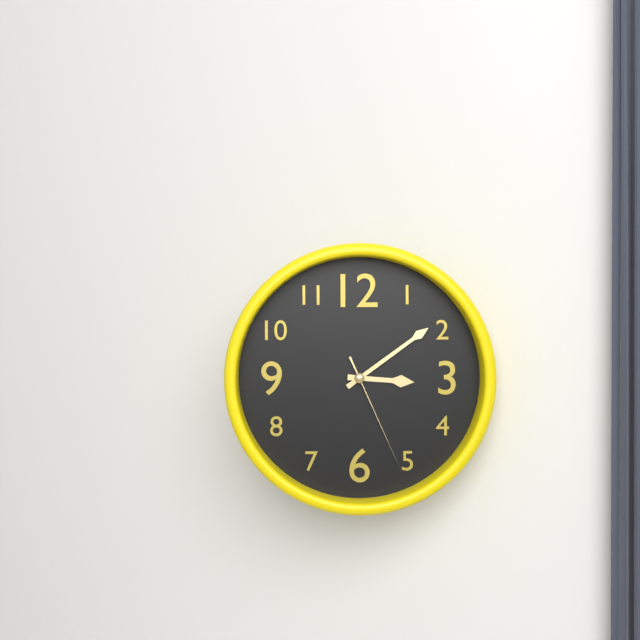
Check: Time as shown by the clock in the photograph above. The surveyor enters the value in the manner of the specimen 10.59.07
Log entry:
3.09.26
